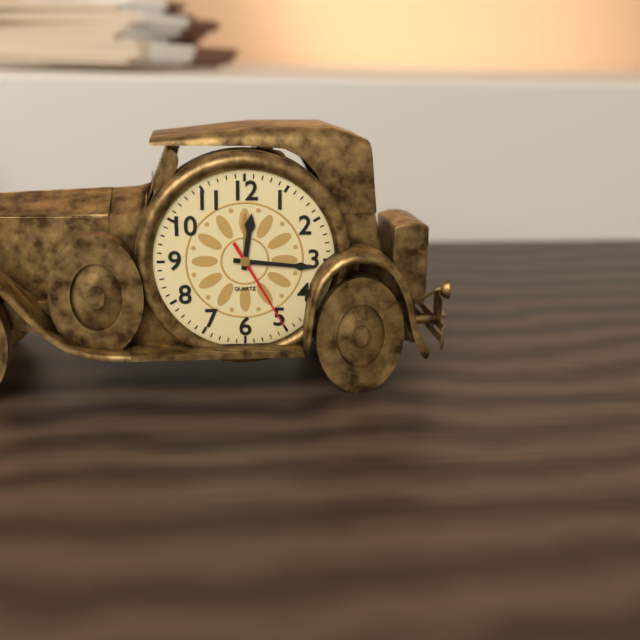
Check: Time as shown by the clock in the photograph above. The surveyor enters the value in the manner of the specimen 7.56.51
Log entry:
12.16.25
